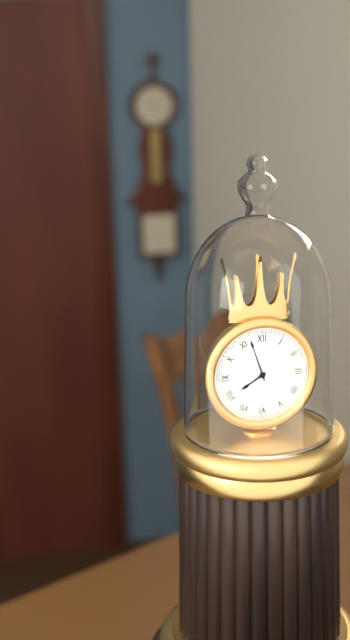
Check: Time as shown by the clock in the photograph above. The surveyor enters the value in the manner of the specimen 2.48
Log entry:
7.57
